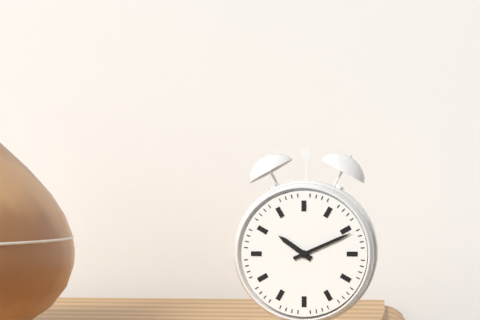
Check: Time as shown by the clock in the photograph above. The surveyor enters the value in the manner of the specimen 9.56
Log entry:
10.11
